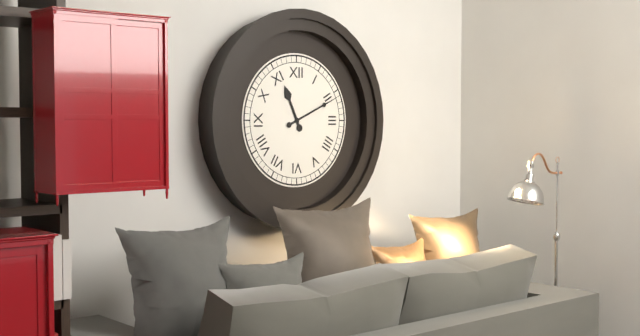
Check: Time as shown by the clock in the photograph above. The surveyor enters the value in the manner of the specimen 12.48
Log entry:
11.11
